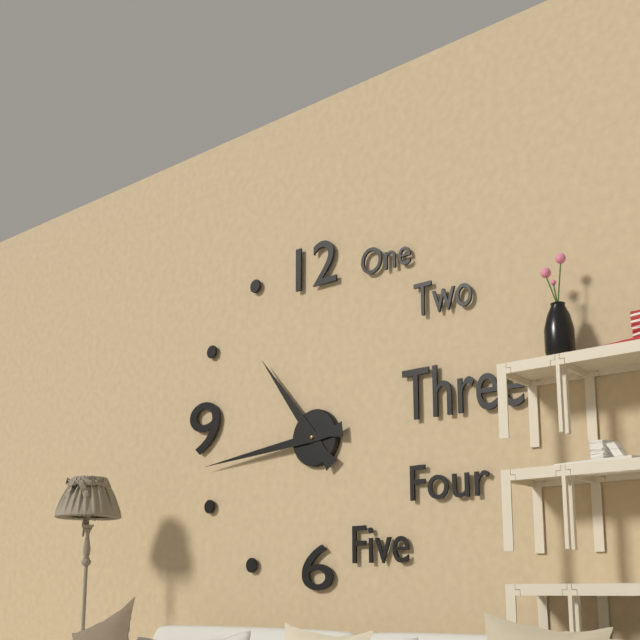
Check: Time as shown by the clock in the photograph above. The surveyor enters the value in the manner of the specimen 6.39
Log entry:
10.44
